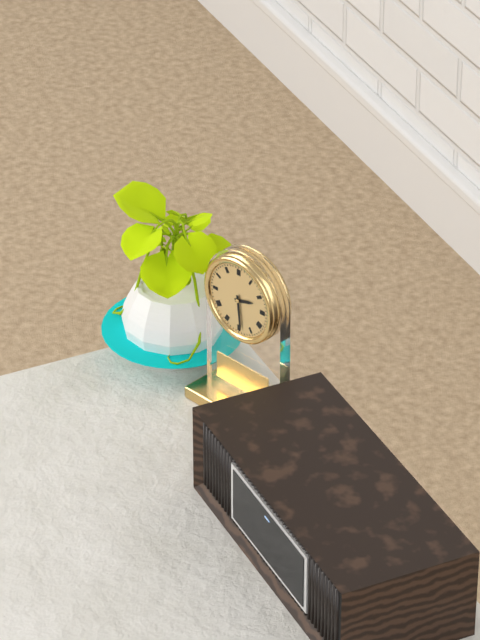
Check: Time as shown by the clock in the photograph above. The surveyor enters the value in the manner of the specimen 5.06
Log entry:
2.29
